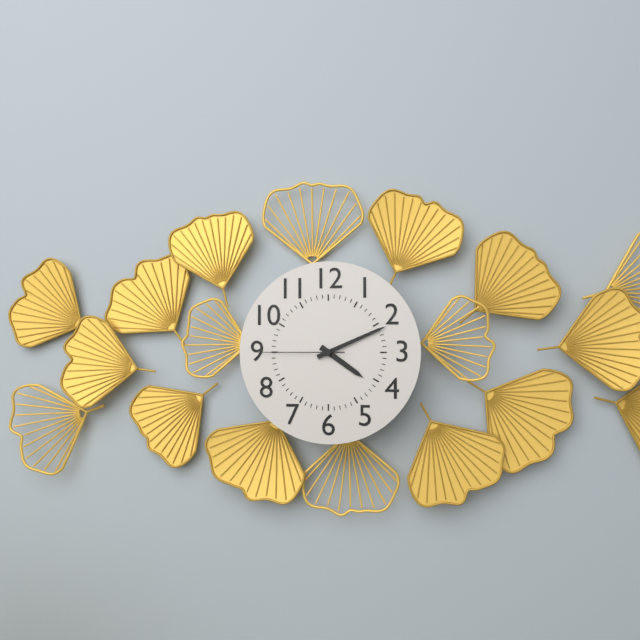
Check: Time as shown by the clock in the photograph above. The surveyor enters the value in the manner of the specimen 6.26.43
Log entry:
4.11.45
